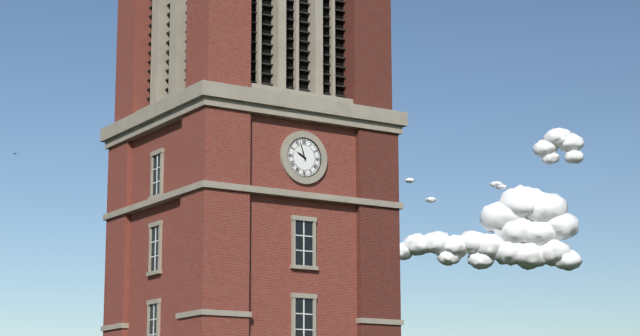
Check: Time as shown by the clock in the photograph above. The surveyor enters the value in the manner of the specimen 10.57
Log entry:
9.57
